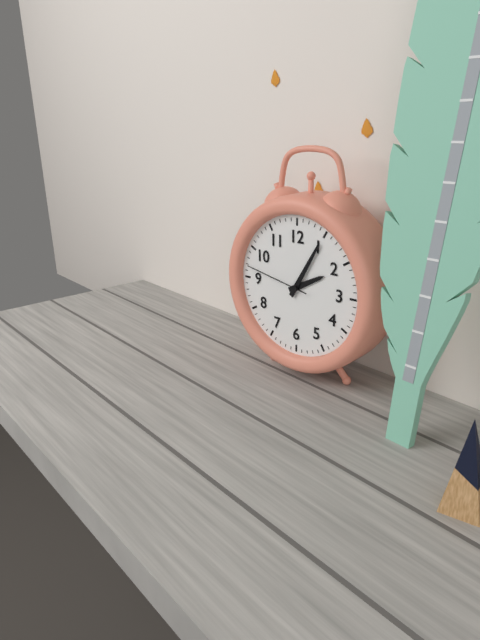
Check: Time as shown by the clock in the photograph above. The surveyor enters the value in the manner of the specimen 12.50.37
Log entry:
2.05.47
